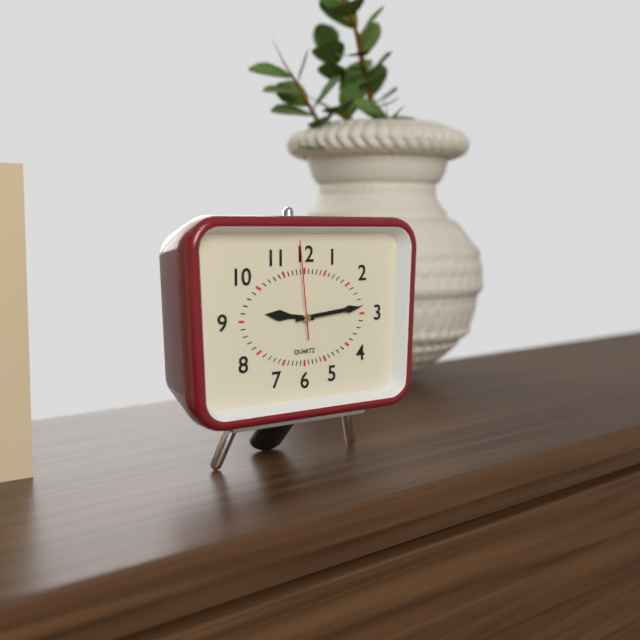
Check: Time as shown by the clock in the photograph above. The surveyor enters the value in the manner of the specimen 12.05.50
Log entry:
9.14.59
